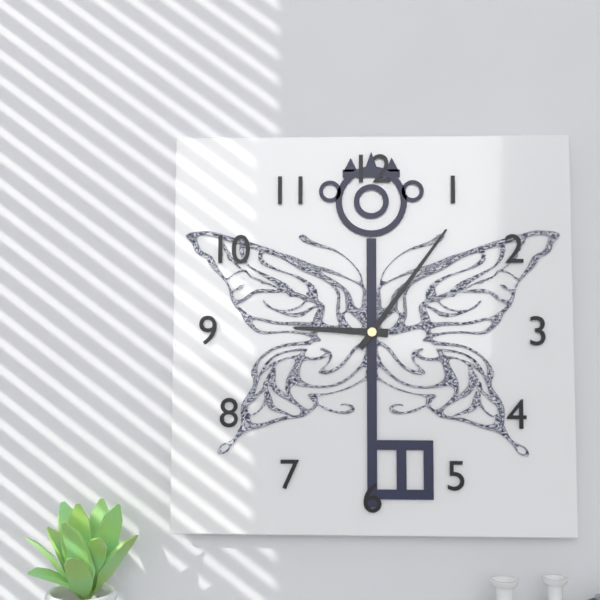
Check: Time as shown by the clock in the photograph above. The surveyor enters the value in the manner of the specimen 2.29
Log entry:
9.06
